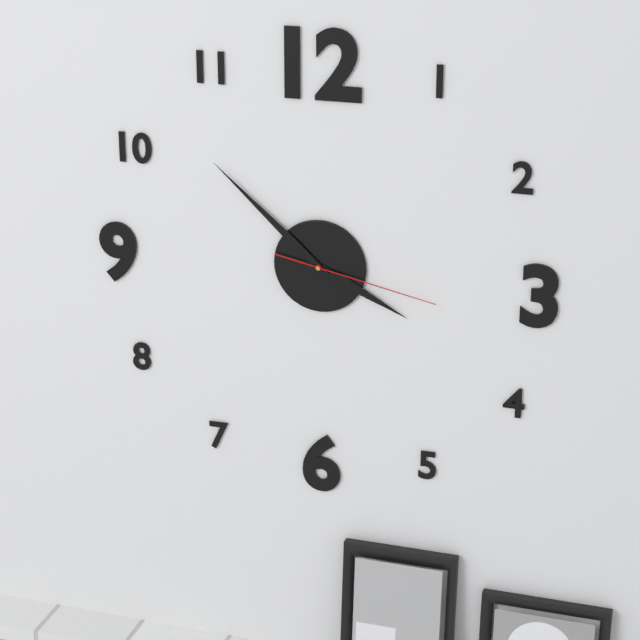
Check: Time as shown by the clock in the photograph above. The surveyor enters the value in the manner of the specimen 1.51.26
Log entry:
3.52.17
